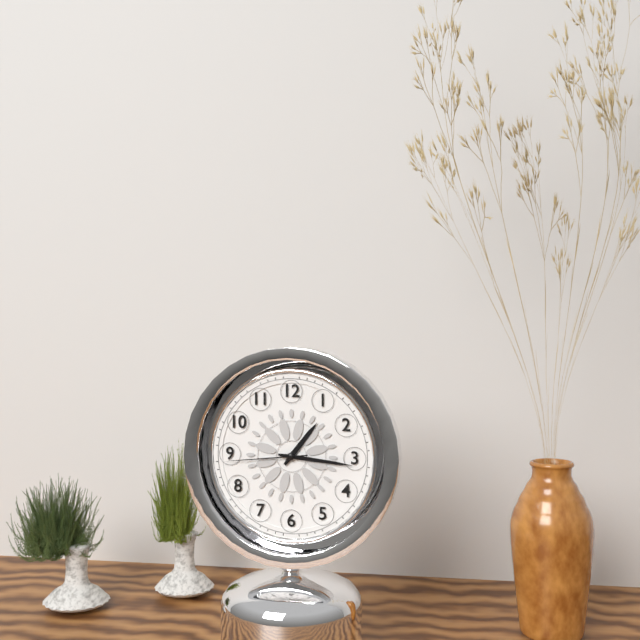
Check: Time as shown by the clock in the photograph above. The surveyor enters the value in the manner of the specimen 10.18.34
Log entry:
1.16.44
